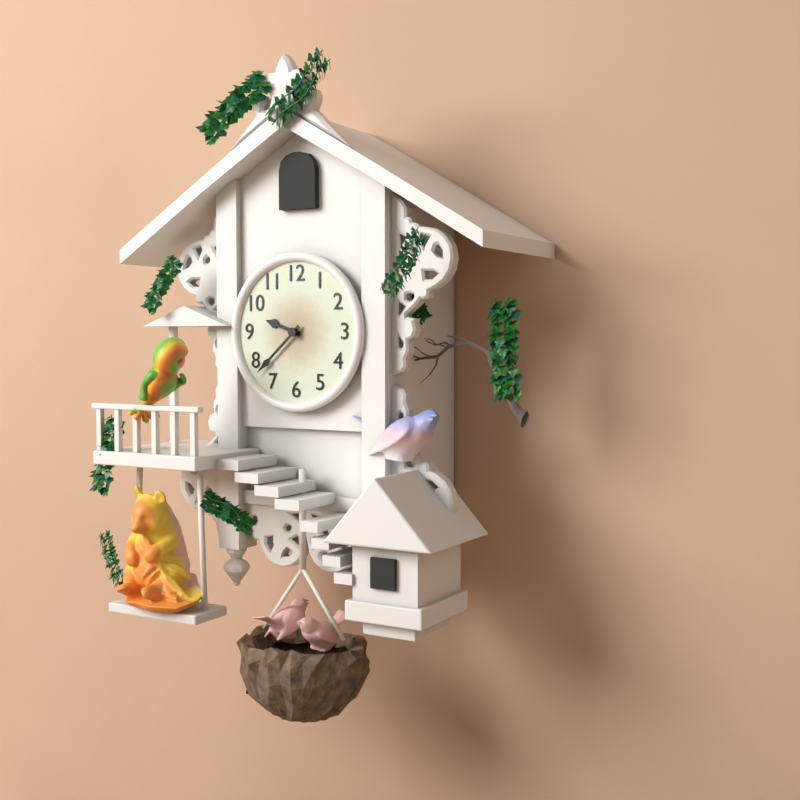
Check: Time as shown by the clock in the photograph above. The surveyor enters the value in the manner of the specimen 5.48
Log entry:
9.38
